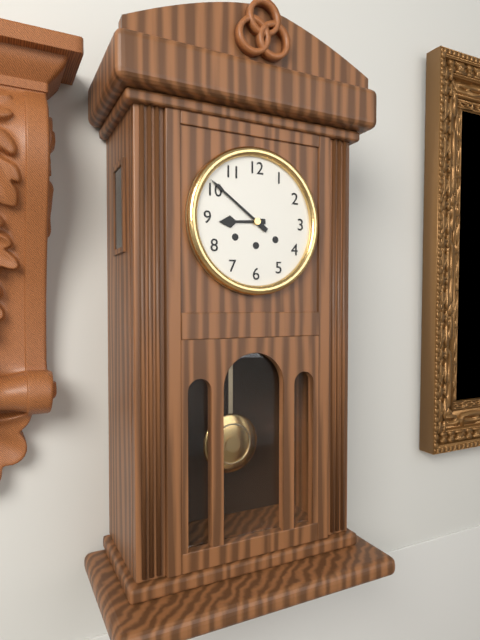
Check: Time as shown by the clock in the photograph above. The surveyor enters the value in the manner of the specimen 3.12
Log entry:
8.51
